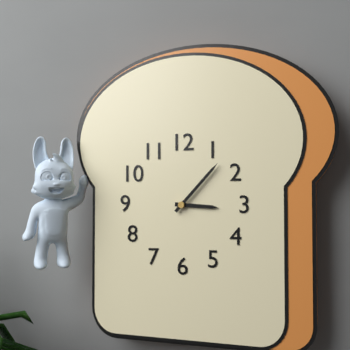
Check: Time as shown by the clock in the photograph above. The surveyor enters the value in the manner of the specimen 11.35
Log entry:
3.07
